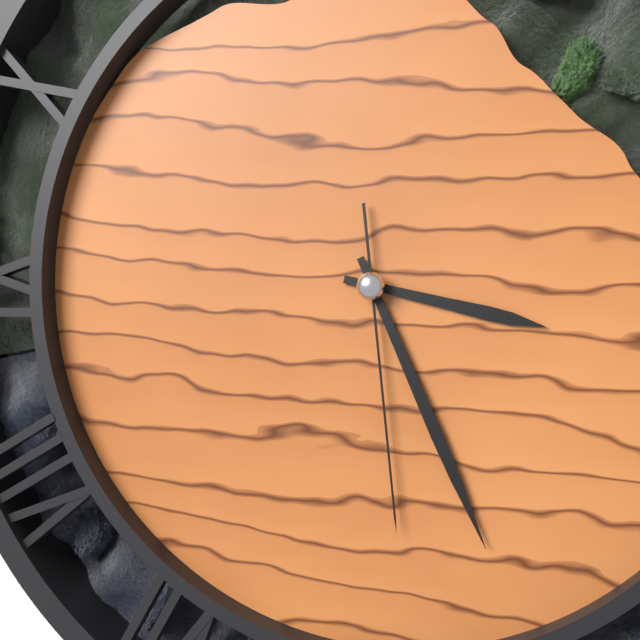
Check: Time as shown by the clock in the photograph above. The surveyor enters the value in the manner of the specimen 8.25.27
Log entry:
3.26.29
